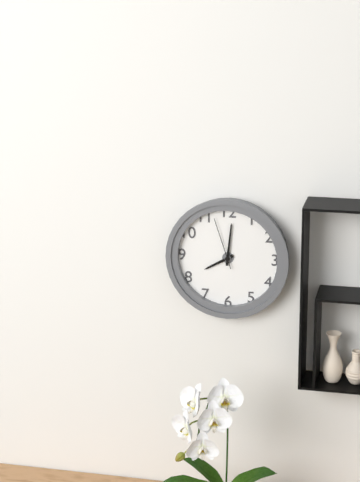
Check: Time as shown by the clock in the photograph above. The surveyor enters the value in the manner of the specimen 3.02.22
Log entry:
8.01.57
